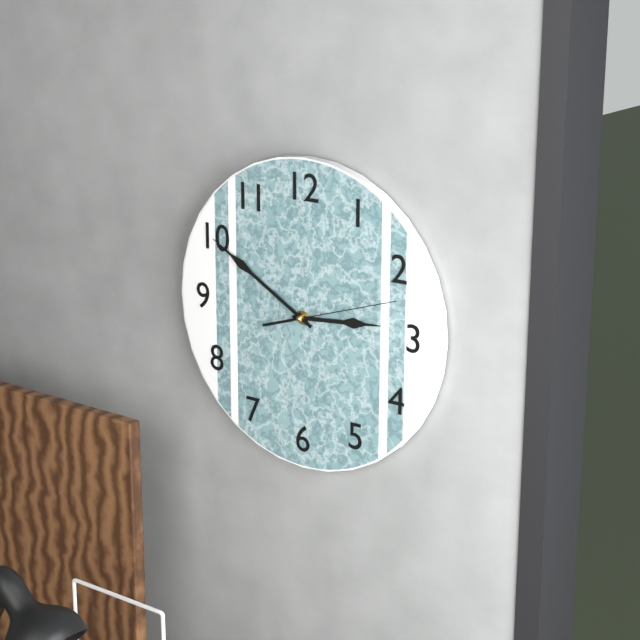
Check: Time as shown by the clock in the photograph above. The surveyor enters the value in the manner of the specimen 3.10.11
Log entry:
2.50.12
